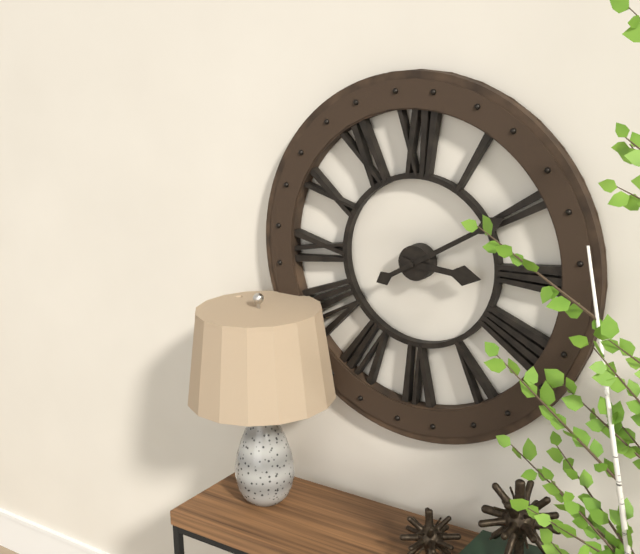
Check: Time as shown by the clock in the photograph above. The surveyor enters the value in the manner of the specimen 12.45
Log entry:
3.10
